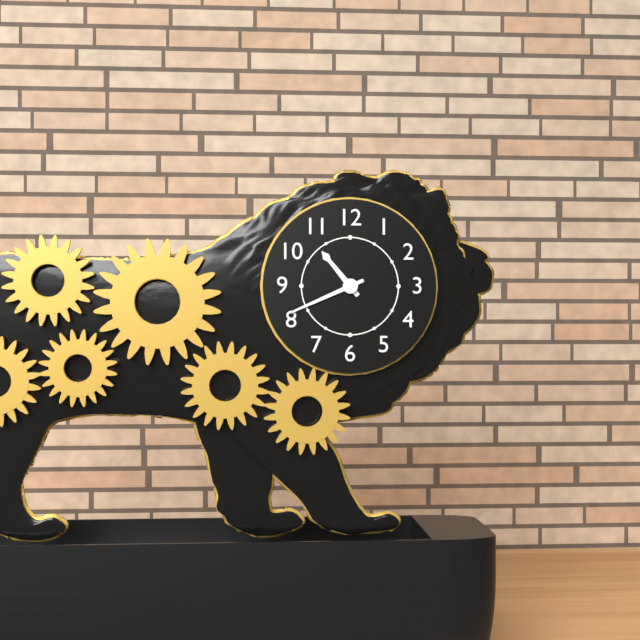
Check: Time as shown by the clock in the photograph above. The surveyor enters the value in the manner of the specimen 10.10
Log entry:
10.41
